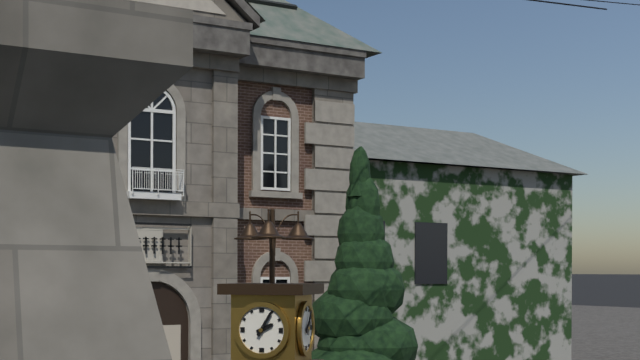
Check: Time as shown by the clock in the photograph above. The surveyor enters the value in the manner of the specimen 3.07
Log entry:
2.05
